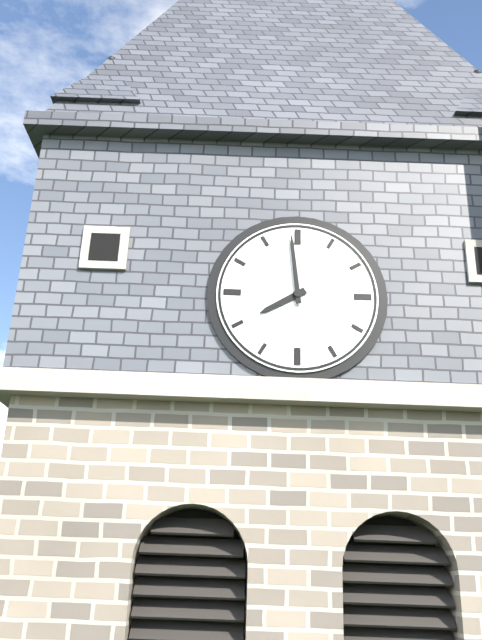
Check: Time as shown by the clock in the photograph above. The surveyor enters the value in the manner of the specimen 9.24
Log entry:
7.59
